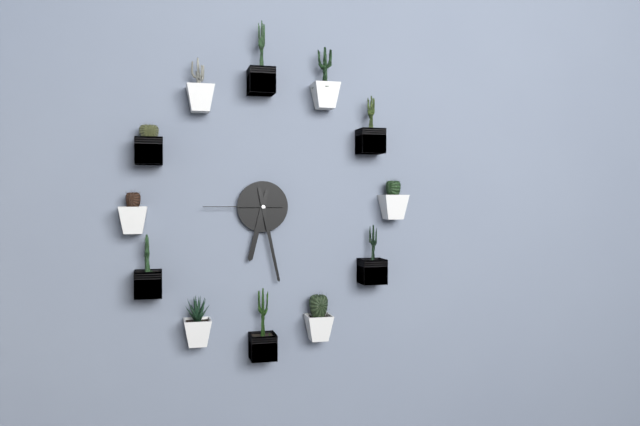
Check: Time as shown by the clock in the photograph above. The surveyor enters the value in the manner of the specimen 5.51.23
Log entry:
6.28.45
